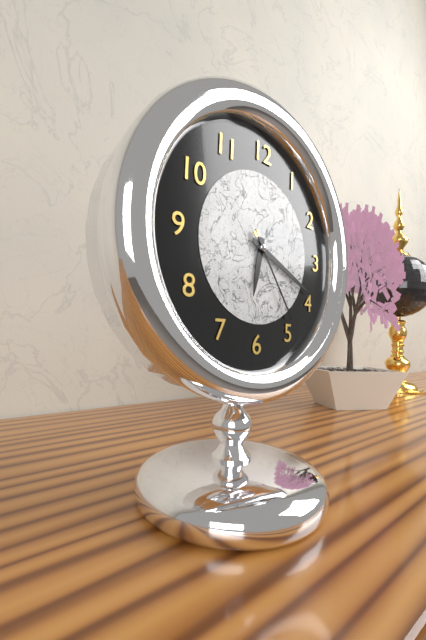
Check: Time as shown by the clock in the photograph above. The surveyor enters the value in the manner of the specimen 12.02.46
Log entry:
6.19.24
